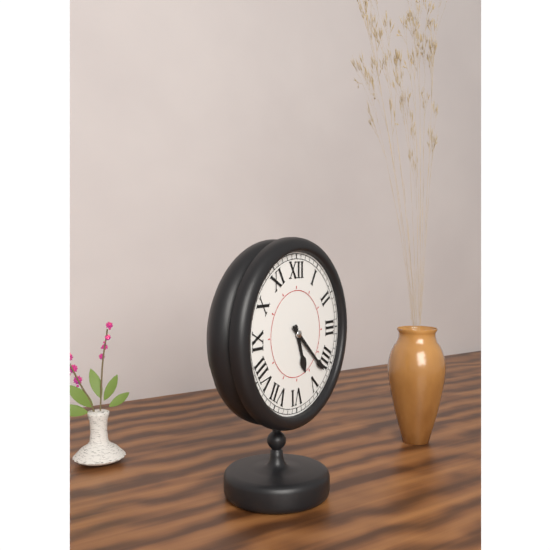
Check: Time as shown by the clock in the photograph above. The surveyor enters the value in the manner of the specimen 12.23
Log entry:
5.22
